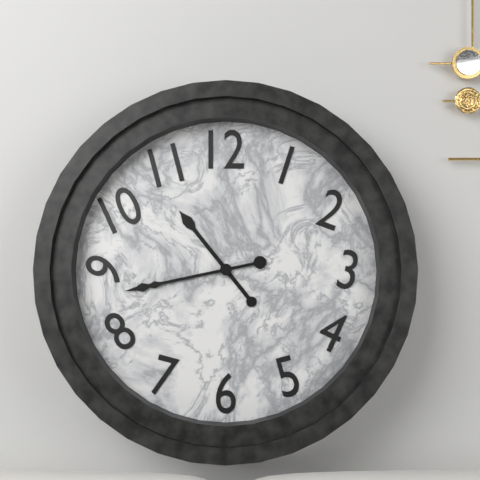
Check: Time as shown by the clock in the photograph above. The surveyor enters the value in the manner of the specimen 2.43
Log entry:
10.43
